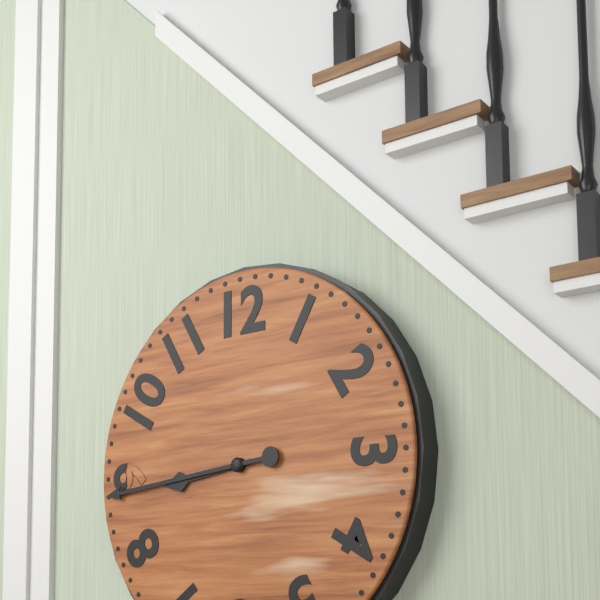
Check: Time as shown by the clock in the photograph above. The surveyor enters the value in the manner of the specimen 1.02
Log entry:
8.44
